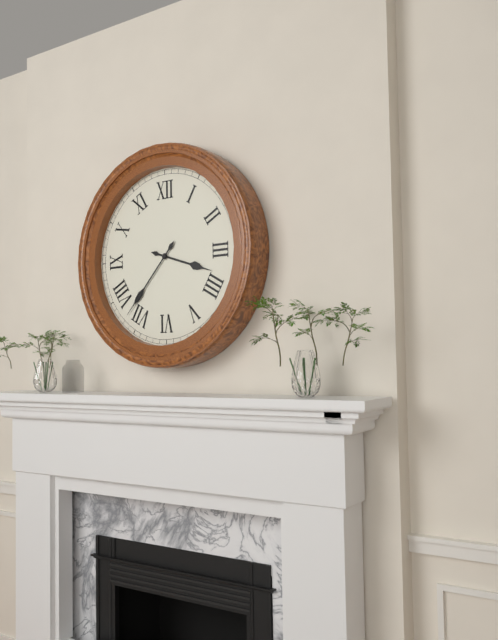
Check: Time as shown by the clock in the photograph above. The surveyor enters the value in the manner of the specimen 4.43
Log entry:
3.37
